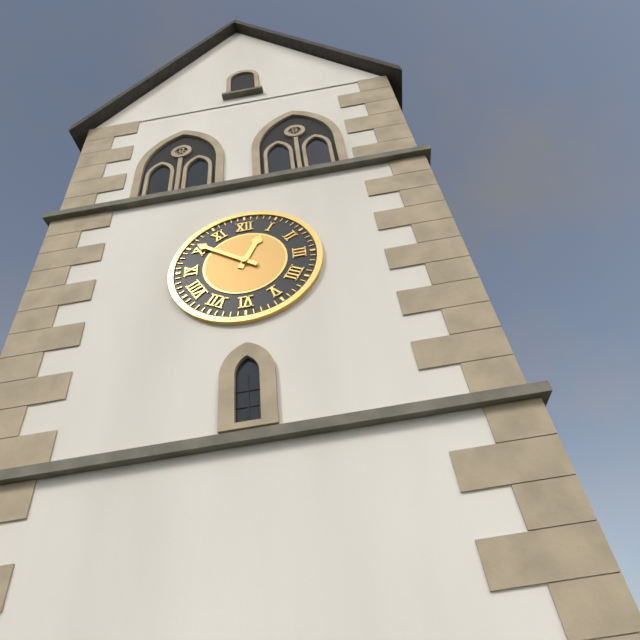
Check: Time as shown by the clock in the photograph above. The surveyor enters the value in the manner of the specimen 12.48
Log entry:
12.51
